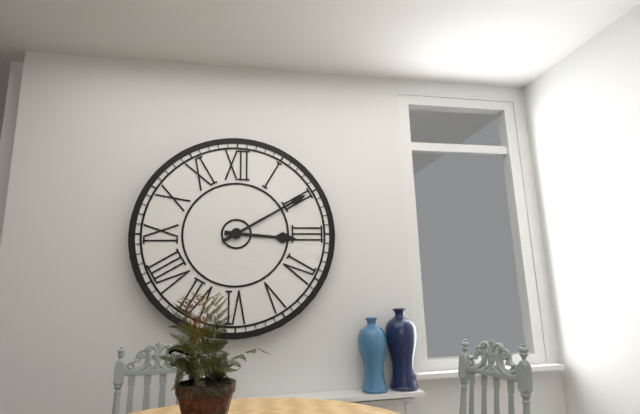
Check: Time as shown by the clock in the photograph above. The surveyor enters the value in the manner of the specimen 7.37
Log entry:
3.10
